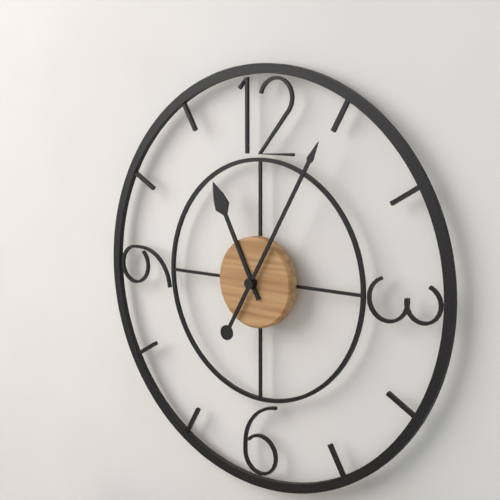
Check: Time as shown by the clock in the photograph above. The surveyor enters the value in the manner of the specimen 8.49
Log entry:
11.05
